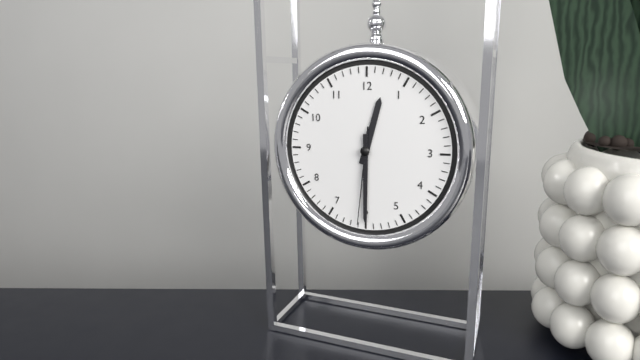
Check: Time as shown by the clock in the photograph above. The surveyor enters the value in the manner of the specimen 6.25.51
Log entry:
12.30.31
